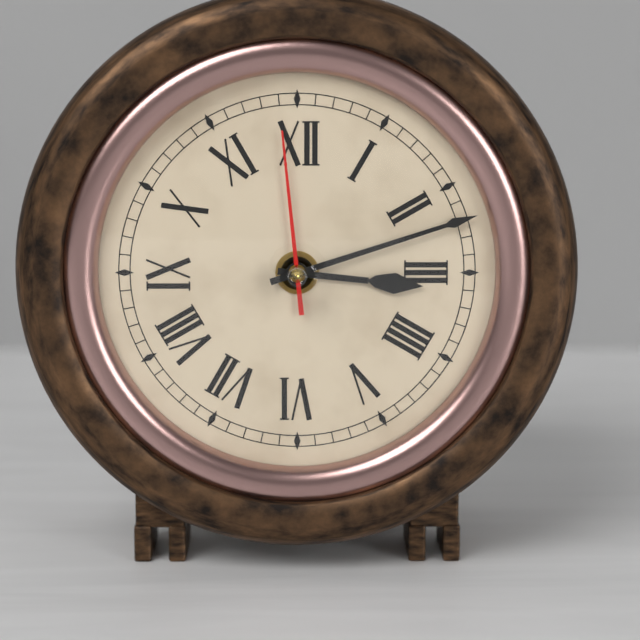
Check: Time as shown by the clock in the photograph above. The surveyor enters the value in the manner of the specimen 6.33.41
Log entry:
3.12.59
